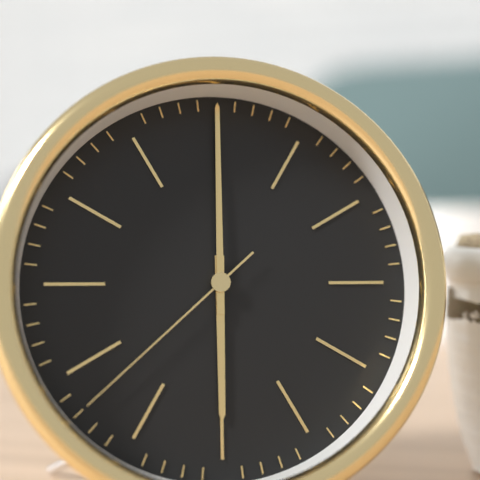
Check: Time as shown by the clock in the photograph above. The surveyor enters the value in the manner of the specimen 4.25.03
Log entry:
6.00.38
